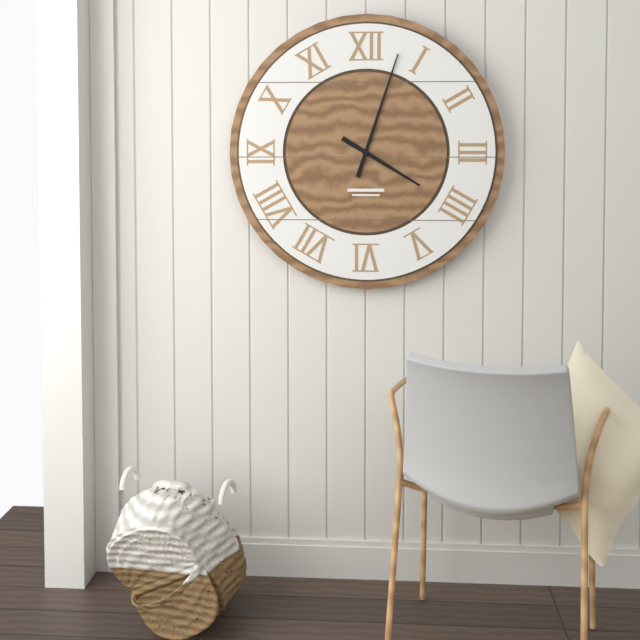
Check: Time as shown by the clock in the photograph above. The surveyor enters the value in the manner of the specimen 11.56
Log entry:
4.03
